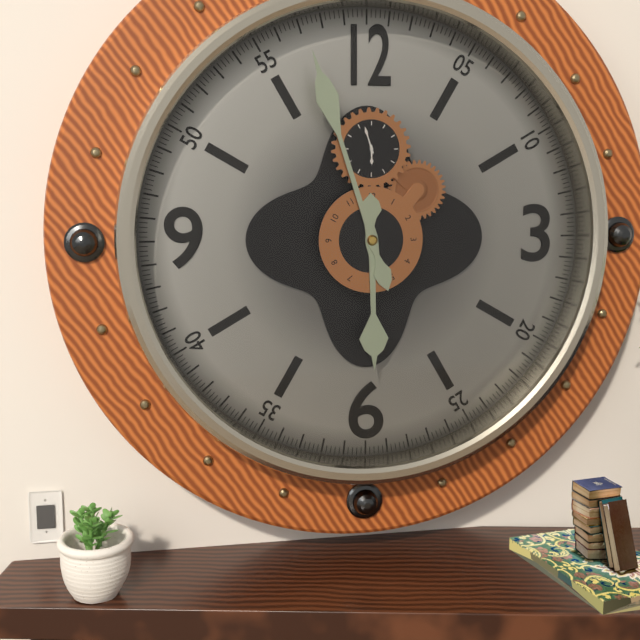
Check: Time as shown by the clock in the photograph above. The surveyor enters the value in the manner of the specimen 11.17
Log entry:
5.57
